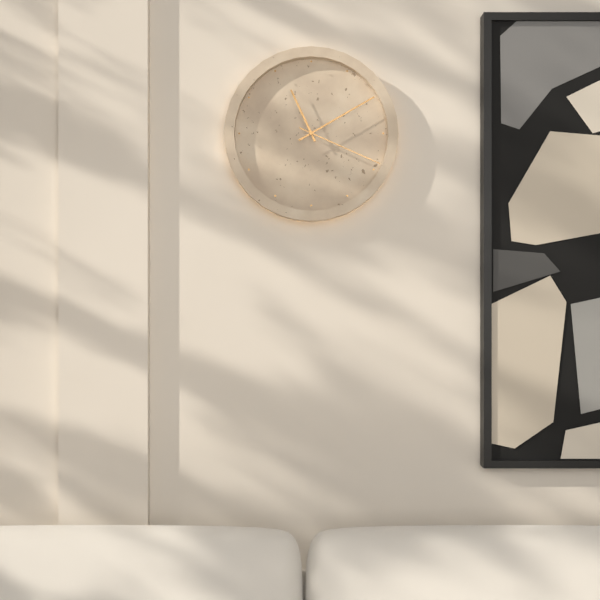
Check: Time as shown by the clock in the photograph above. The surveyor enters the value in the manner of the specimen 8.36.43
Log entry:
11.10.19
